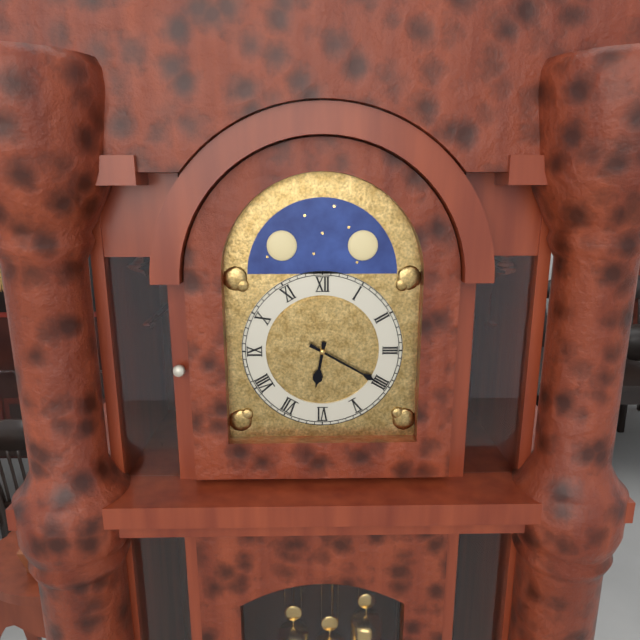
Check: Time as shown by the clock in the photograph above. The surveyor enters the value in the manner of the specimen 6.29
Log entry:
6.20
